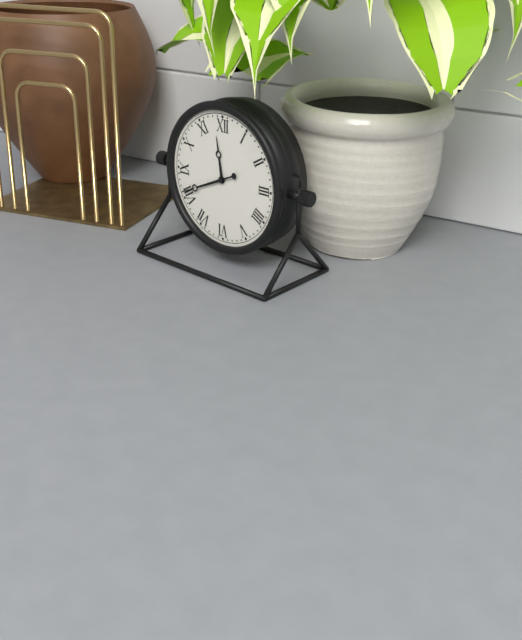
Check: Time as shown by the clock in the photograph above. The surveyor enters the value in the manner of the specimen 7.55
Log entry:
11.41
